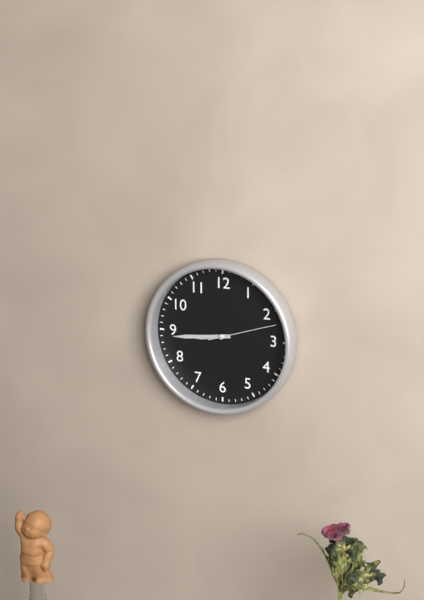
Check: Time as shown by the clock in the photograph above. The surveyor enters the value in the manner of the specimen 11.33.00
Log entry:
8.44.12
